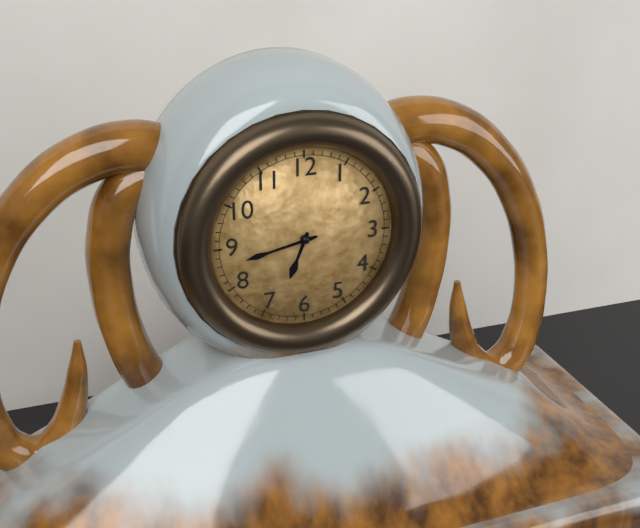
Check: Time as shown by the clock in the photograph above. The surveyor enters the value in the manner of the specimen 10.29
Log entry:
6.43
